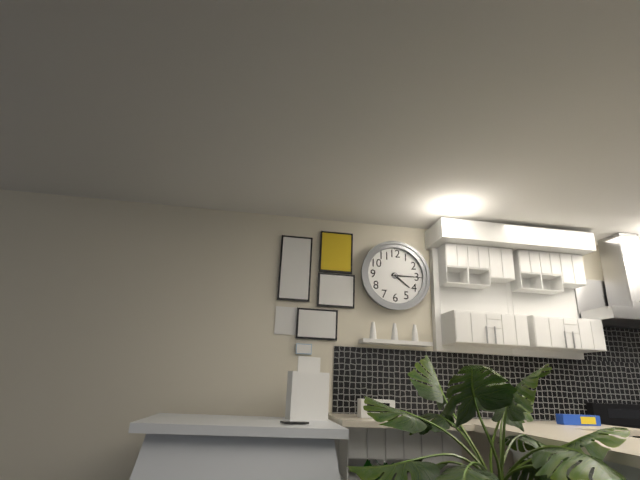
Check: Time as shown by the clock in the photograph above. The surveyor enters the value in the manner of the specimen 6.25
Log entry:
4.15
